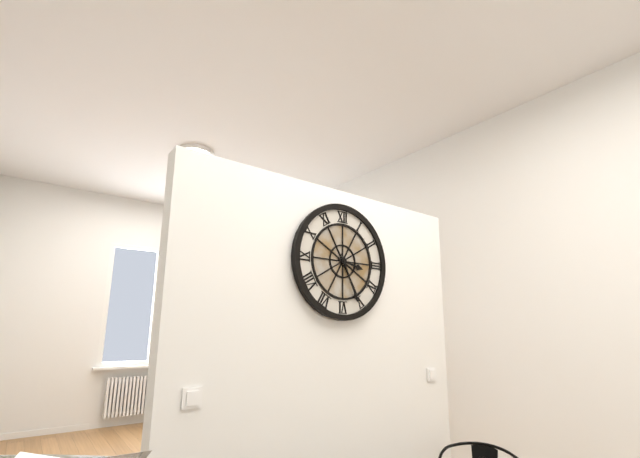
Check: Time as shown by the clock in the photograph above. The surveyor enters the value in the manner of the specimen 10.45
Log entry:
3.26
